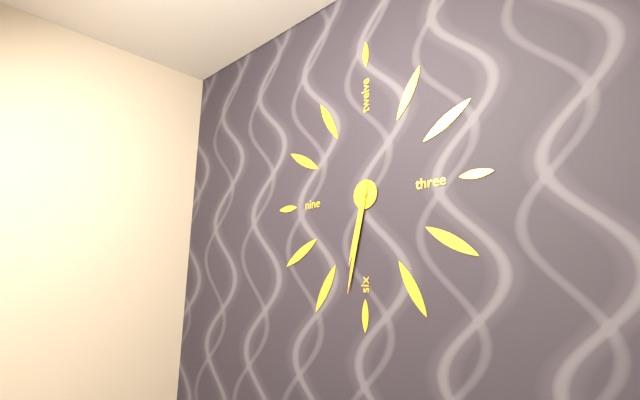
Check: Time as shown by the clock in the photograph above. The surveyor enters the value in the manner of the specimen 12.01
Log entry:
6.32
